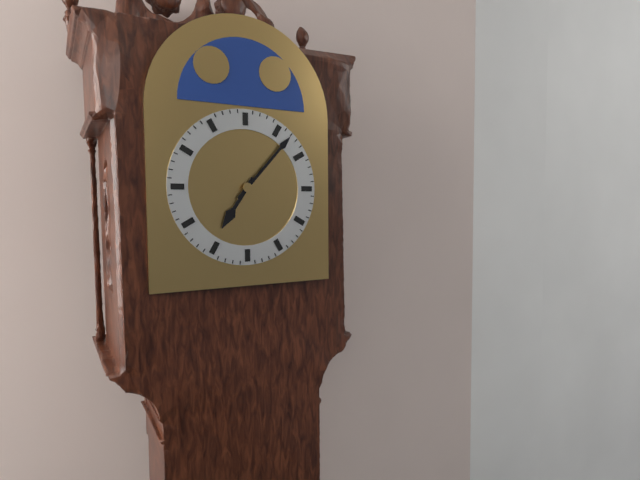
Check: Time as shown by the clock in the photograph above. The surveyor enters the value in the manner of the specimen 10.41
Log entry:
7.07
